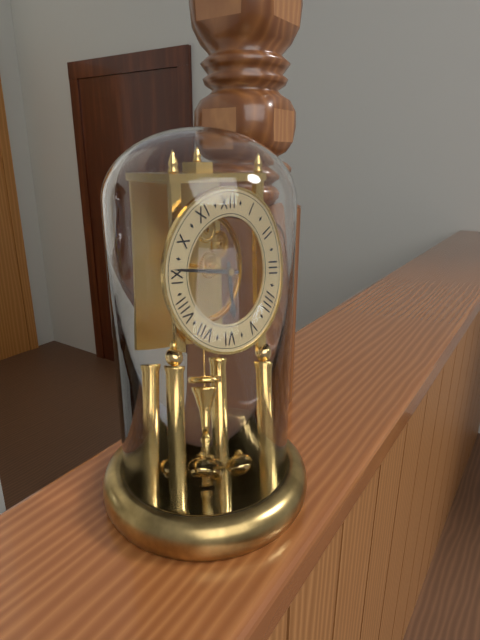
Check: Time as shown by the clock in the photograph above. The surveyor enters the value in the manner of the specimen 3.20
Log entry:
5.46
